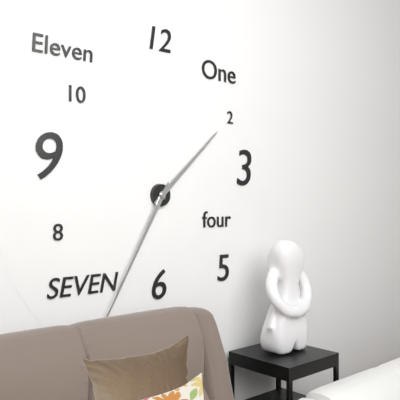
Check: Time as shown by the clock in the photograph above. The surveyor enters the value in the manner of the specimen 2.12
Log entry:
1.35
